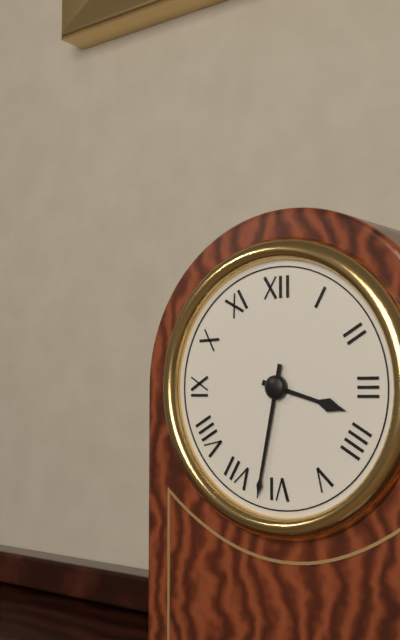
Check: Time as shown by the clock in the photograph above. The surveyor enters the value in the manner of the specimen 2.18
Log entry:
3.32
